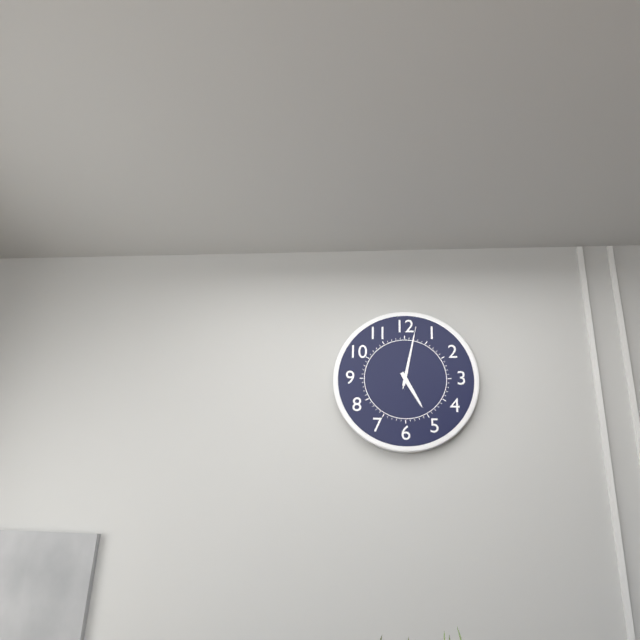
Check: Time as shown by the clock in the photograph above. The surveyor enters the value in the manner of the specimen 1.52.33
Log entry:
5.02.02
